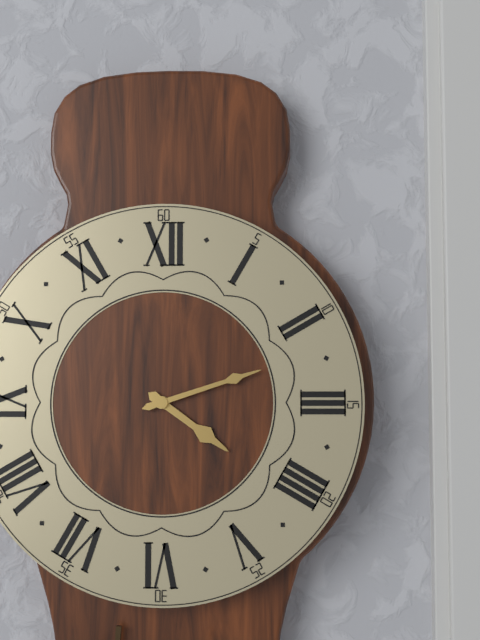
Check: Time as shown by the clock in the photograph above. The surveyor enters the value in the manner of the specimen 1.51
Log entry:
4.12
